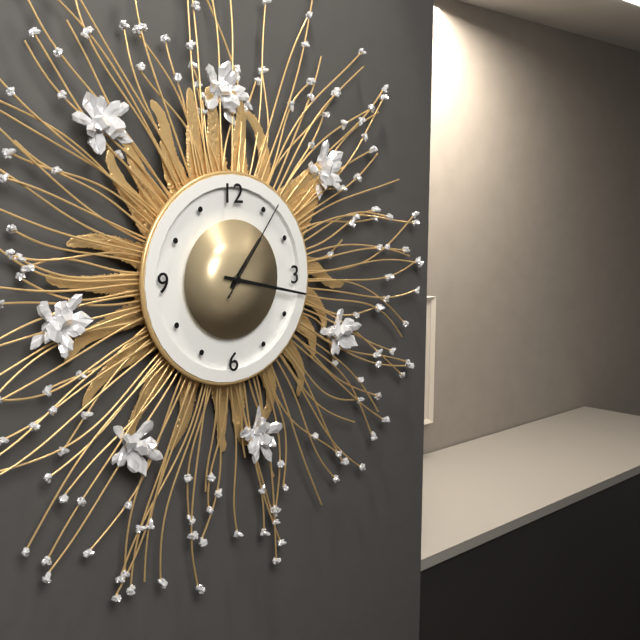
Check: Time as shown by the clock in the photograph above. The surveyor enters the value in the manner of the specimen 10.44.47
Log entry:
1.17.06
